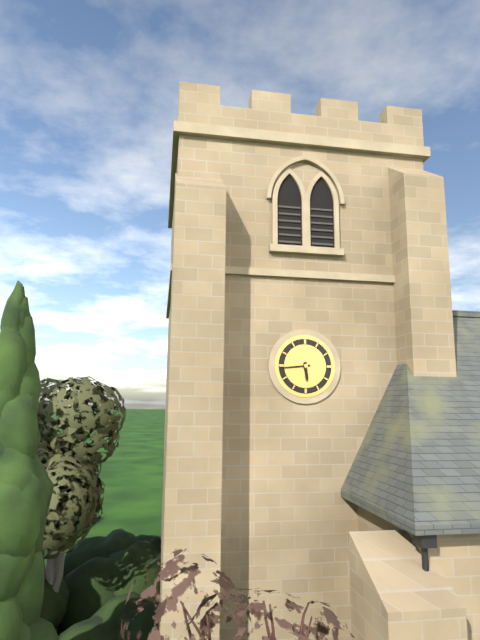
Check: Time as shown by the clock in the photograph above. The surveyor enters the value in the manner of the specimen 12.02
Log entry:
5.44
